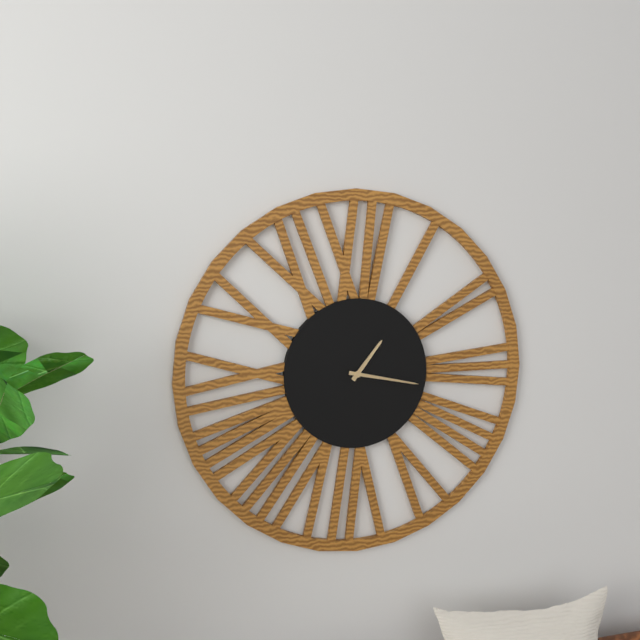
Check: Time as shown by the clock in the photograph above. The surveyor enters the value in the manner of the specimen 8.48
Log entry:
1.17
